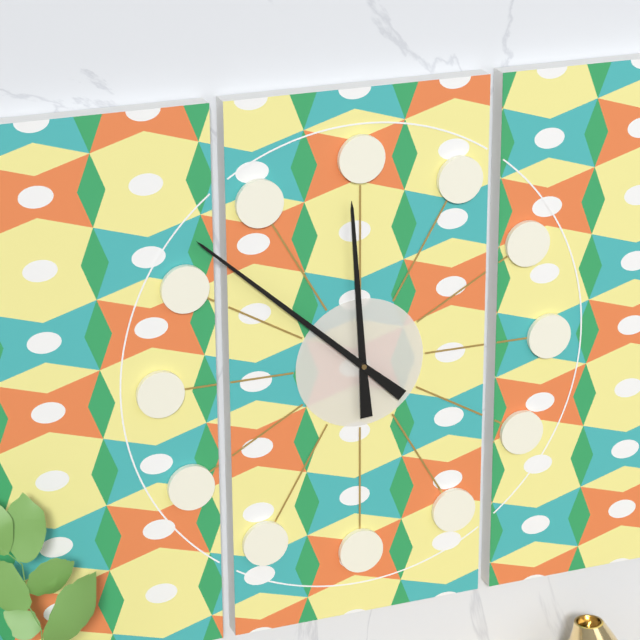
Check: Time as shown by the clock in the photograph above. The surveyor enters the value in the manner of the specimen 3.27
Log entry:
11.52
